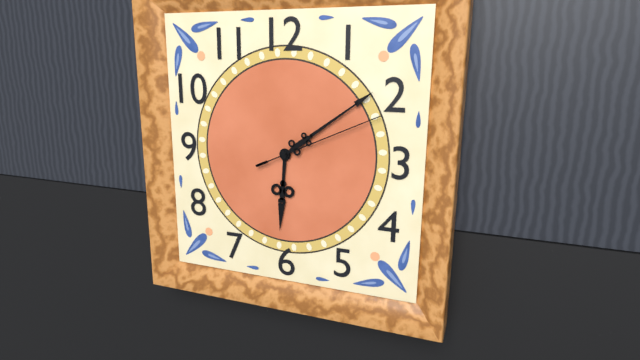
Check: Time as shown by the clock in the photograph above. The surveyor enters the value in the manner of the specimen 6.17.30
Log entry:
6.09.11
